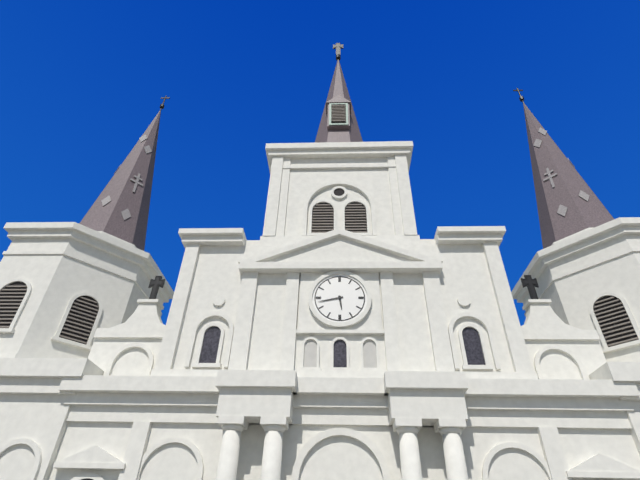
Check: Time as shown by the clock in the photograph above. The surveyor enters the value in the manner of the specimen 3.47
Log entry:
5.43
